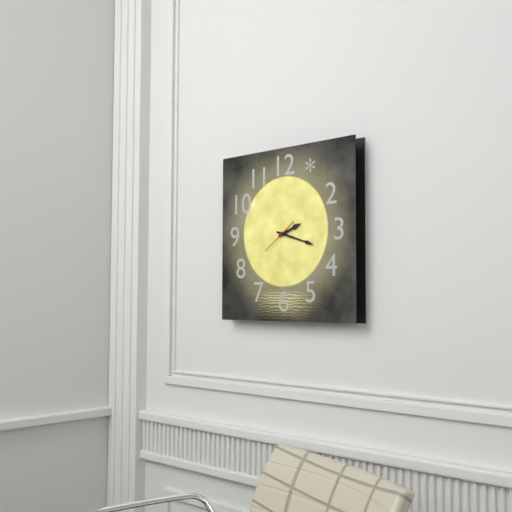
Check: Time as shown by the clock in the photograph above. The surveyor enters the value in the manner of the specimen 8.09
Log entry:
2.18
